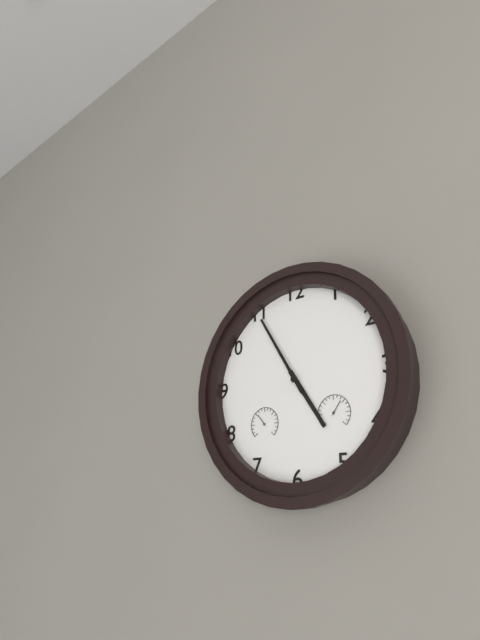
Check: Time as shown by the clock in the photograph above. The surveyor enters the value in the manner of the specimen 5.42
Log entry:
4.55
